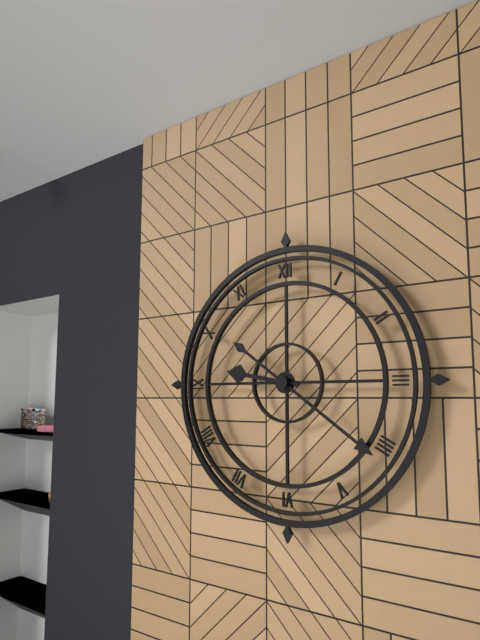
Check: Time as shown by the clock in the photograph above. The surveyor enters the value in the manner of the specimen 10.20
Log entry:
9.21
